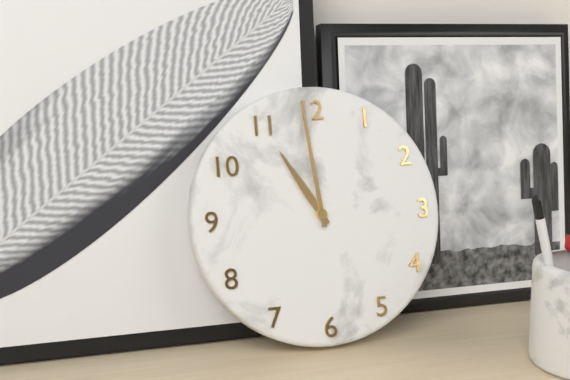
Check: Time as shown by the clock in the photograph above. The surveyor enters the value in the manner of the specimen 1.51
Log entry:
10.59
